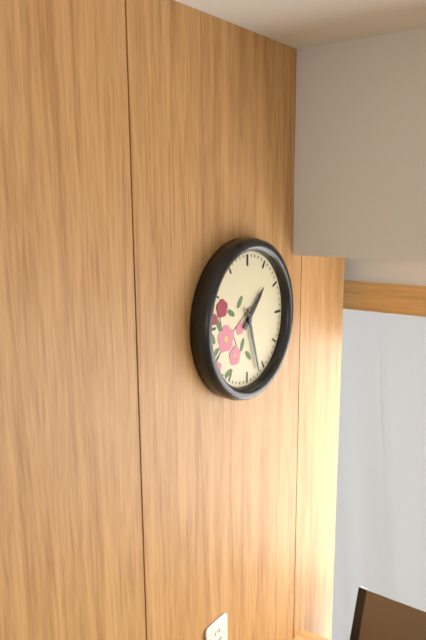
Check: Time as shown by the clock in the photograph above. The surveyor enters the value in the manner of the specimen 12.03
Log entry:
1.27
